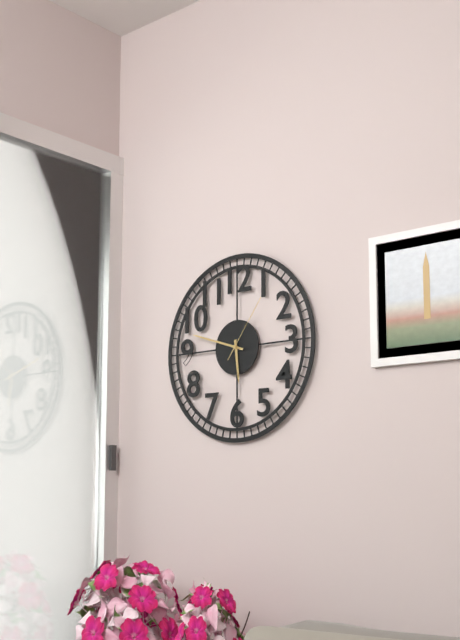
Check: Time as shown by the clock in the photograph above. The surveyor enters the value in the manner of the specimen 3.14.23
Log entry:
5.48.06
